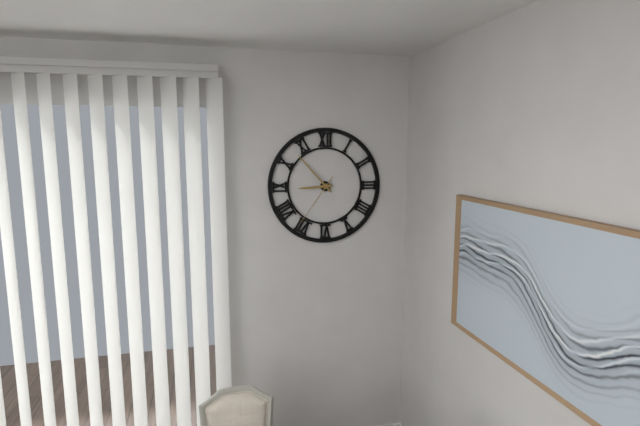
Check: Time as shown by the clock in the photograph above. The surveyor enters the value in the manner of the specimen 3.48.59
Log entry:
8.53.36
